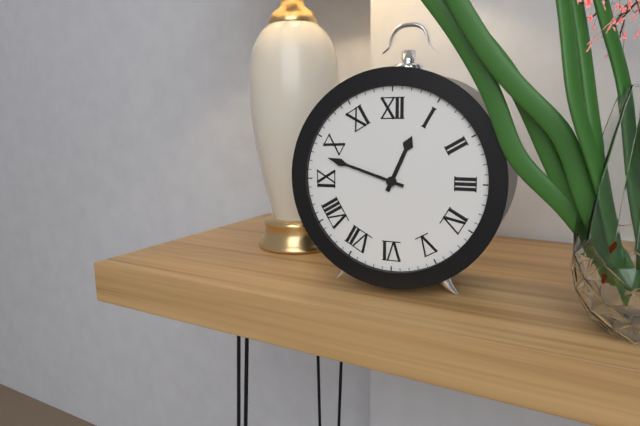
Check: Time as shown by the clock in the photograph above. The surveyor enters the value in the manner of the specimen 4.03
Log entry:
12.48
